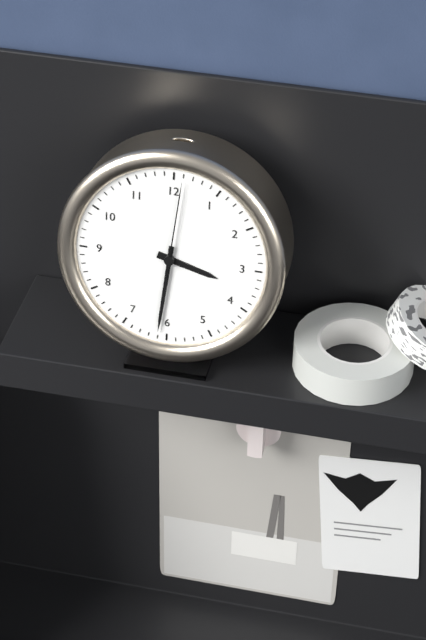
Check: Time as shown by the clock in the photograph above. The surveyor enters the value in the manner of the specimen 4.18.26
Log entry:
3.31.01
